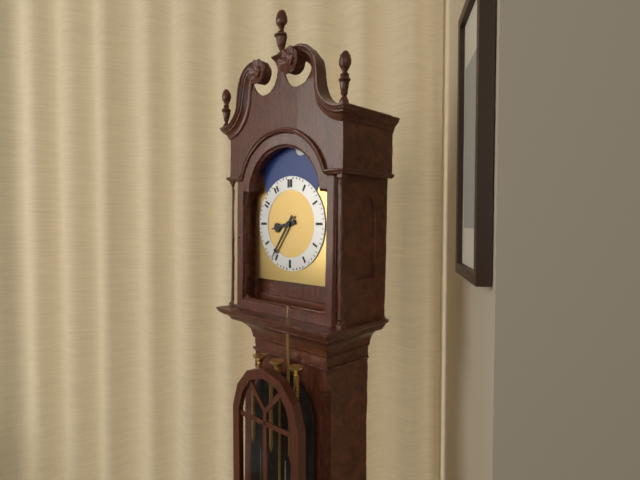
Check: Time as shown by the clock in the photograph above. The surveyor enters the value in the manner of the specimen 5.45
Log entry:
8.36
